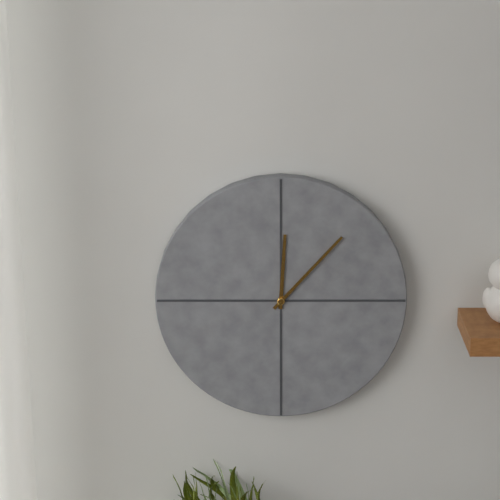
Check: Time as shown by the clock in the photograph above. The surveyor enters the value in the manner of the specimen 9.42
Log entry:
12.07
